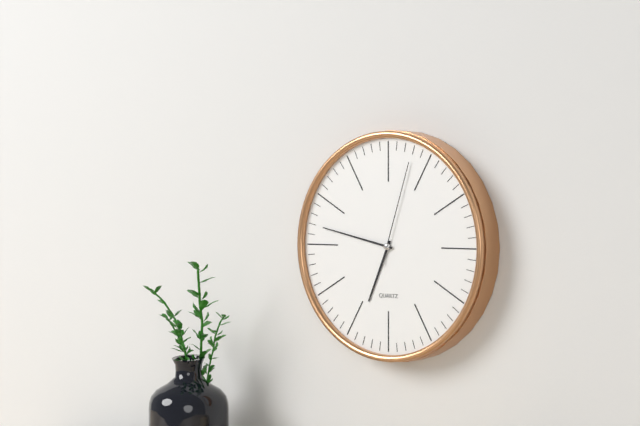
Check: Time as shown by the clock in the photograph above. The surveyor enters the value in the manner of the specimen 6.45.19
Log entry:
6.47.03
